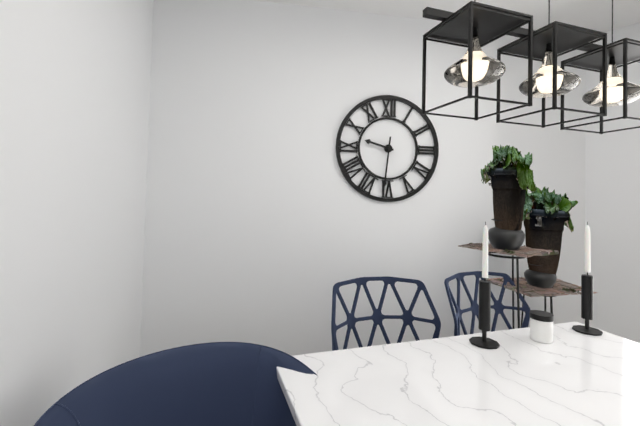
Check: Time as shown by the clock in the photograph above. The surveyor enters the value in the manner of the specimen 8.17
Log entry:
9.31
